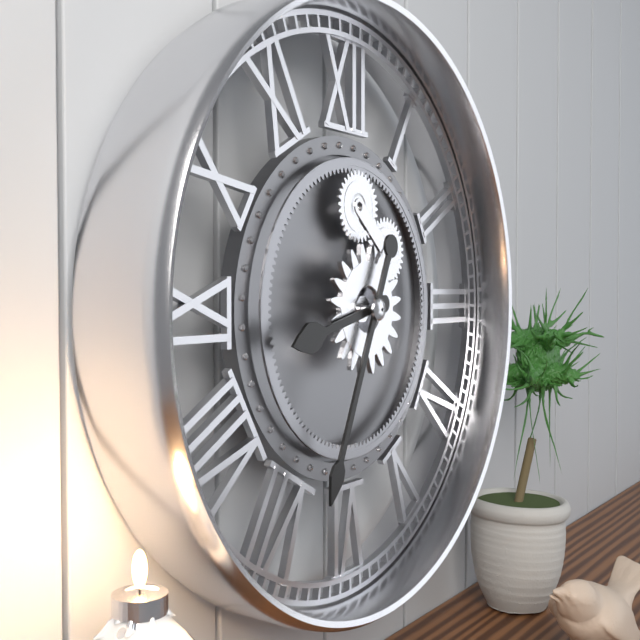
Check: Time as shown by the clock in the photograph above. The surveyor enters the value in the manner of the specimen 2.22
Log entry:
8.34
